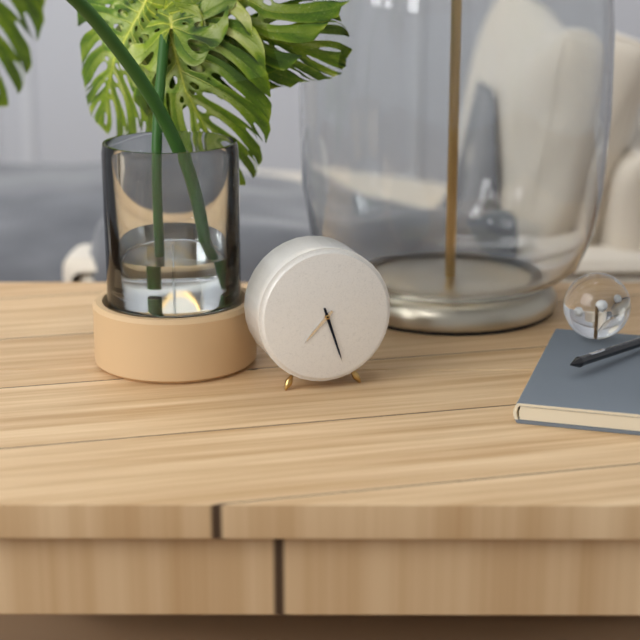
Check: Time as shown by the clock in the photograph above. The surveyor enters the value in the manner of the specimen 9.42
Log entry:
7.27
